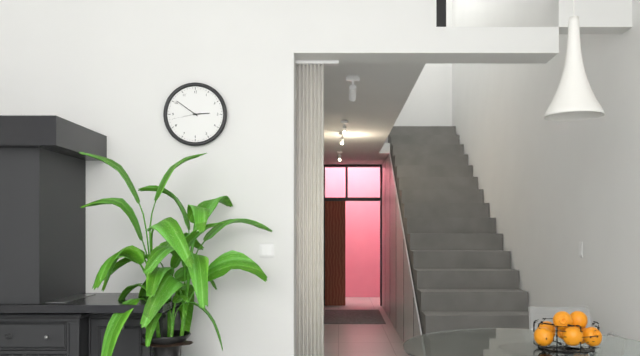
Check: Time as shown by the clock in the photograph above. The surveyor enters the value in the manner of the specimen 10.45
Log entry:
2.51
